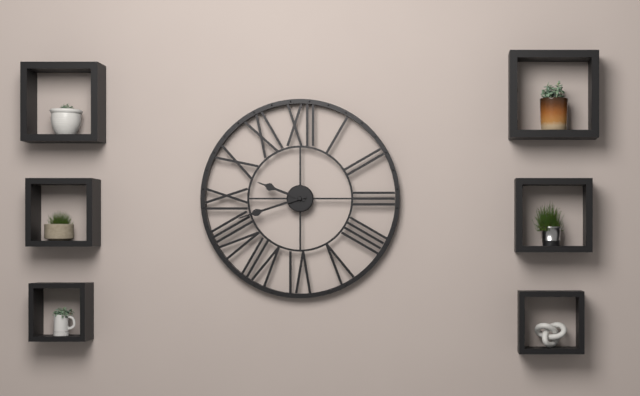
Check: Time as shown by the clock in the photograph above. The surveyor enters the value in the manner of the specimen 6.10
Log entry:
9.42
